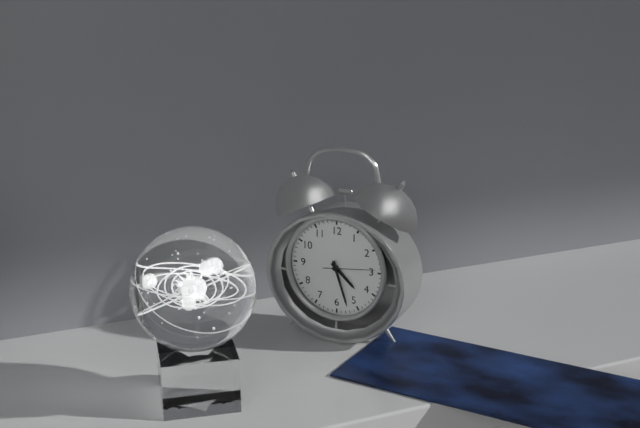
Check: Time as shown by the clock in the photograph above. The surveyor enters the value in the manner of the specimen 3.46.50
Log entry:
4.27.14
